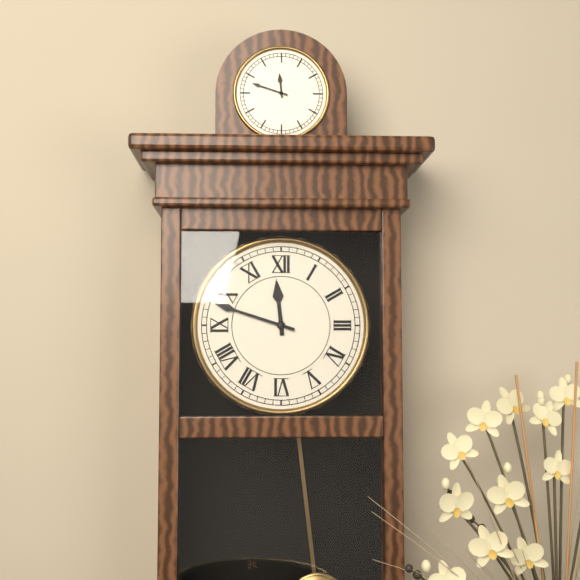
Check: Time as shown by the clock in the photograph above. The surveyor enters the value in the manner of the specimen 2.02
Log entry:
11.48
